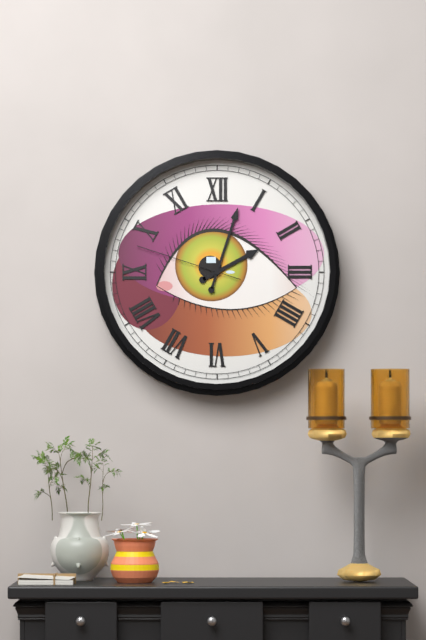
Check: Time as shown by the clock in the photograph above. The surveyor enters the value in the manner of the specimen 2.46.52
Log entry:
2.03.48
